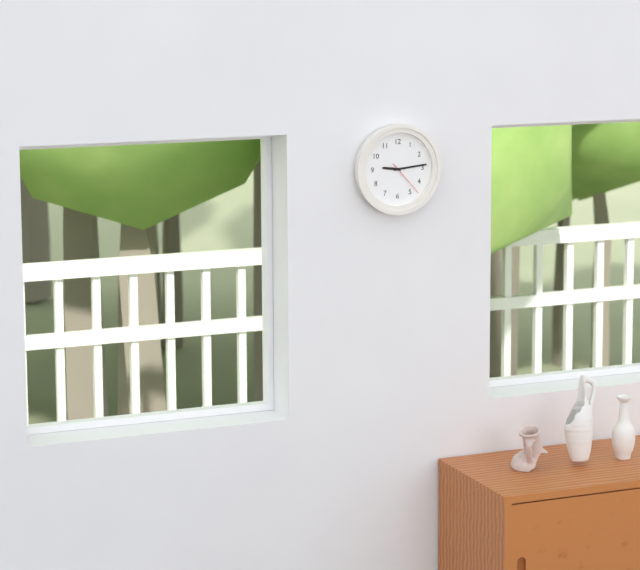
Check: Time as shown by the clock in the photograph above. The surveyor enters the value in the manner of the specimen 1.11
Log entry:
9.14
